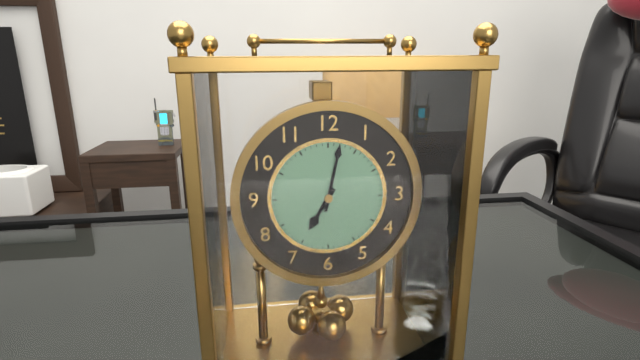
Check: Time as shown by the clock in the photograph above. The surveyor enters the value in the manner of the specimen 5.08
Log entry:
7.02
